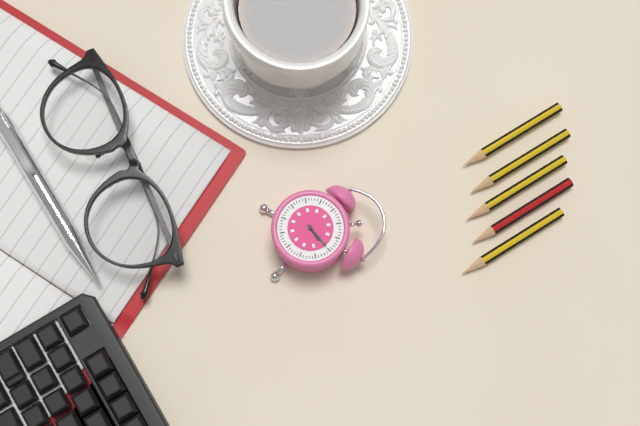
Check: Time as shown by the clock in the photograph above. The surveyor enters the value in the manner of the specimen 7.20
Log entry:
2.10
